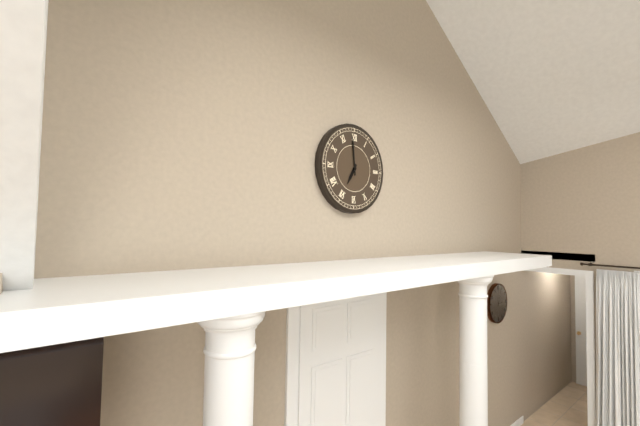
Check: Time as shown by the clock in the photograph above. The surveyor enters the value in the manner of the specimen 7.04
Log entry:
6.59
